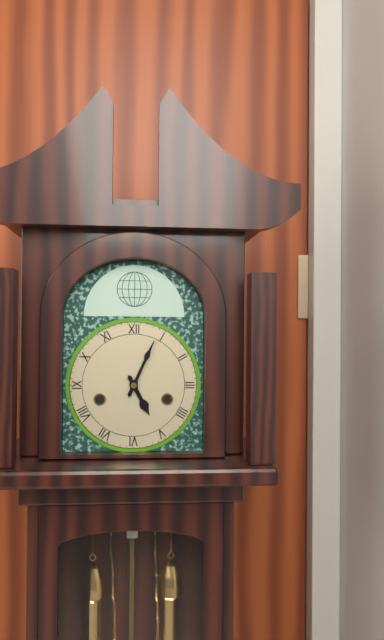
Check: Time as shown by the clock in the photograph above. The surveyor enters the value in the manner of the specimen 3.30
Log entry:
5.04
